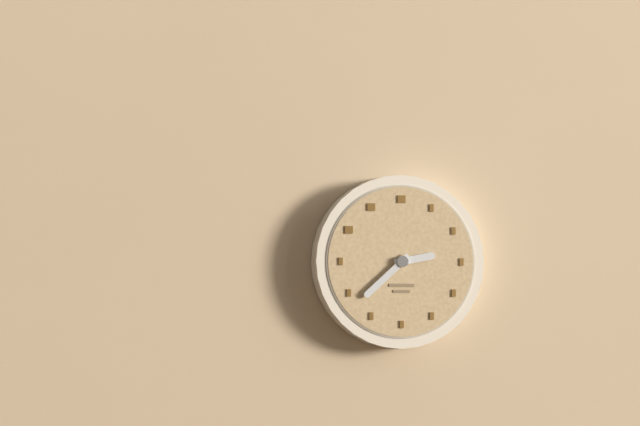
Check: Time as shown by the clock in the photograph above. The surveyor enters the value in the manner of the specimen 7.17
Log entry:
2.38
